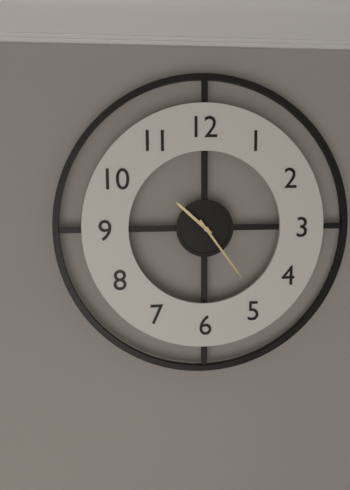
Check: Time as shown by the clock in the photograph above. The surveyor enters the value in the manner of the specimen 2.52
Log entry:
10.24
